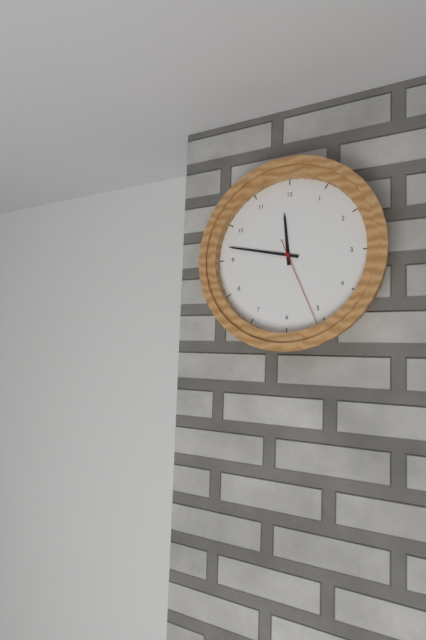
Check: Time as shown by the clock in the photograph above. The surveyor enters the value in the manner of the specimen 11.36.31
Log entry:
11.47.26
